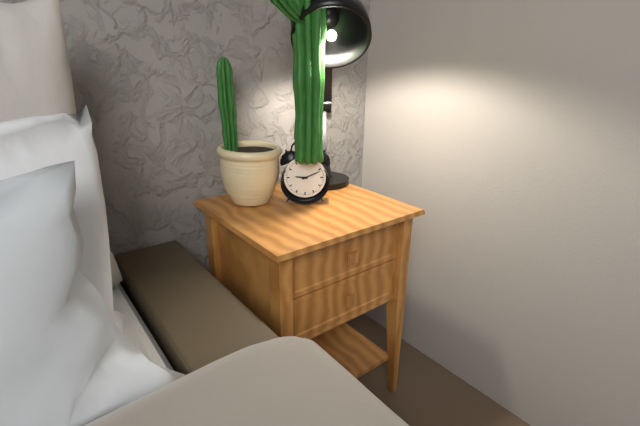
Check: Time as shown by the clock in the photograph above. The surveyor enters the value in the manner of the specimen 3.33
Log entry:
9.11
